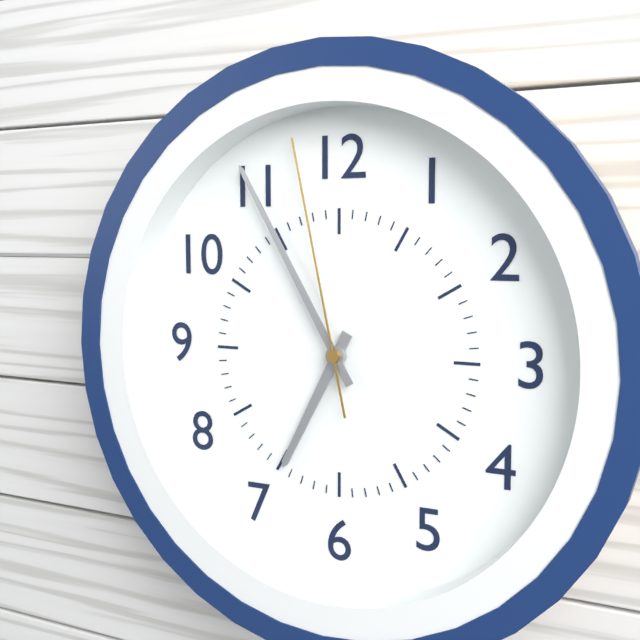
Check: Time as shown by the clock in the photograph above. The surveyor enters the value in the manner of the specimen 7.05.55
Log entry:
6.55.58
